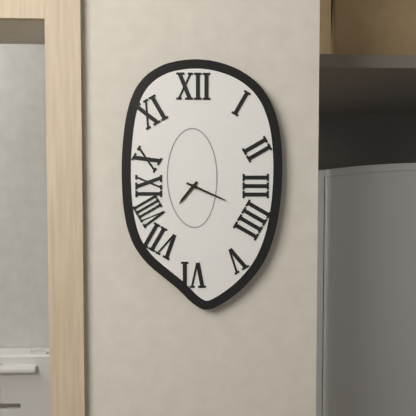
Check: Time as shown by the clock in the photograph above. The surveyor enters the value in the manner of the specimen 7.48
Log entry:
7.19
